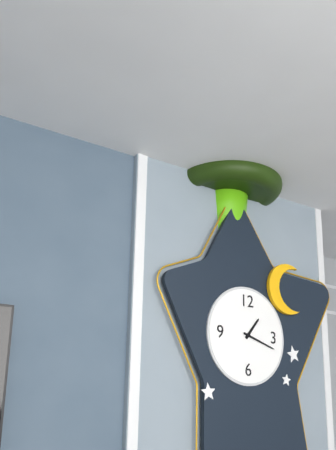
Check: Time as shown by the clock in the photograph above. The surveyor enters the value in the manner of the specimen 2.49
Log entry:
1.18
